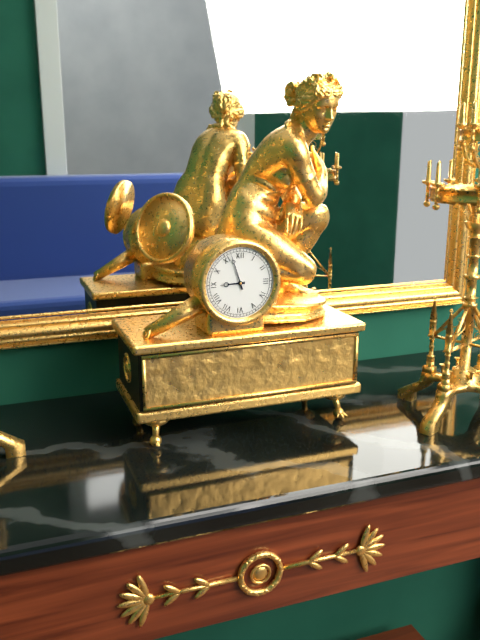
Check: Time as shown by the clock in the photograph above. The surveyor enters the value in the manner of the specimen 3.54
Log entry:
8.57
